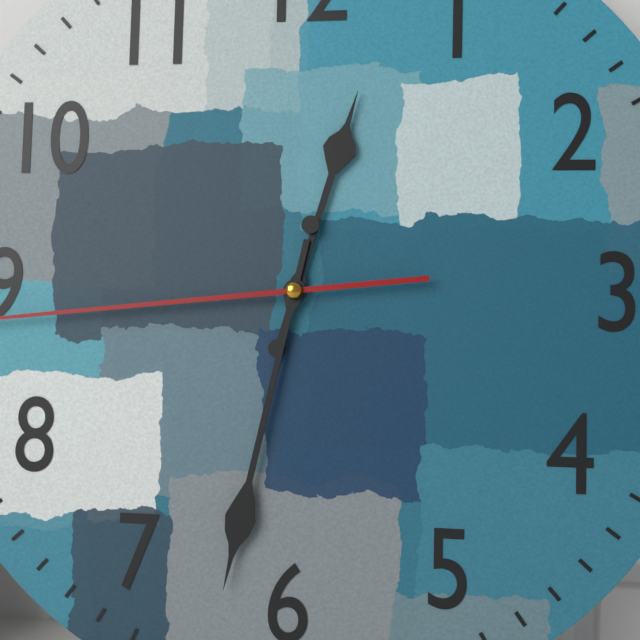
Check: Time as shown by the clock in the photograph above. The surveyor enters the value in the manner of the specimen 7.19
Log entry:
12.32
